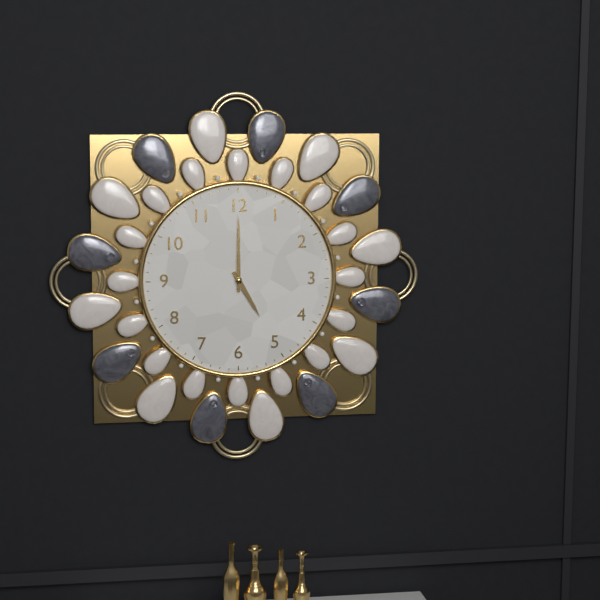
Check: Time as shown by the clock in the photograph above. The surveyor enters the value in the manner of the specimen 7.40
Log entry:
5.00
